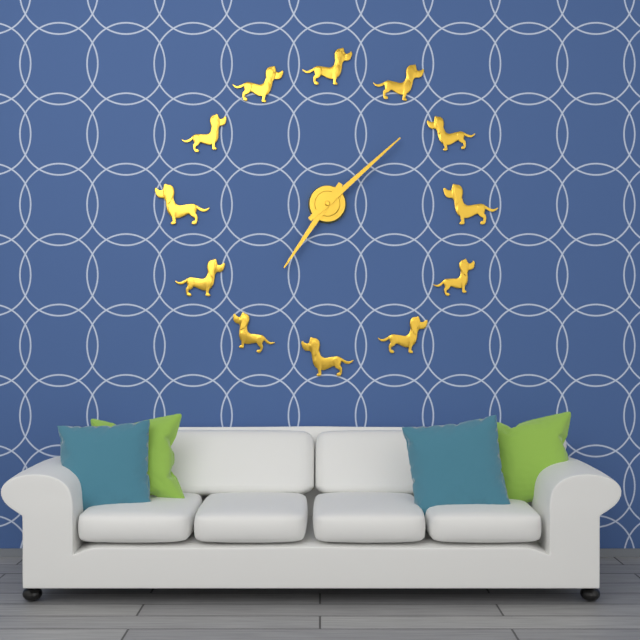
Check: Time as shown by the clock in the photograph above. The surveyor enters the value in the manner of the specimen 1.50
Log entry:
7.08
